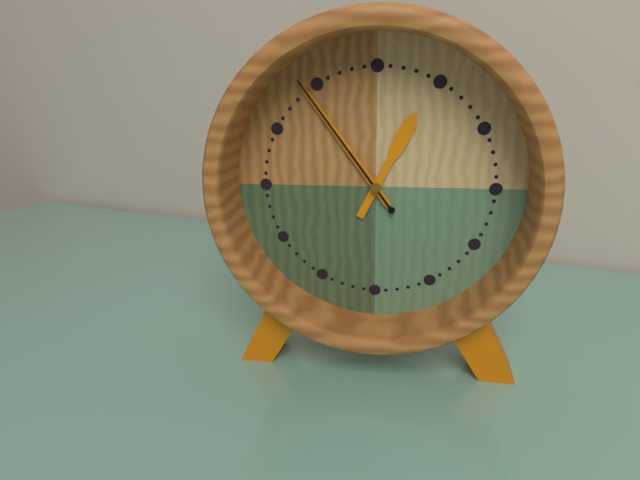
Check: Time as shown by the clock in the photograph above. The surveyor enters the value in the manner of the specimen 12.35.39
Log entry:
12.54.54
